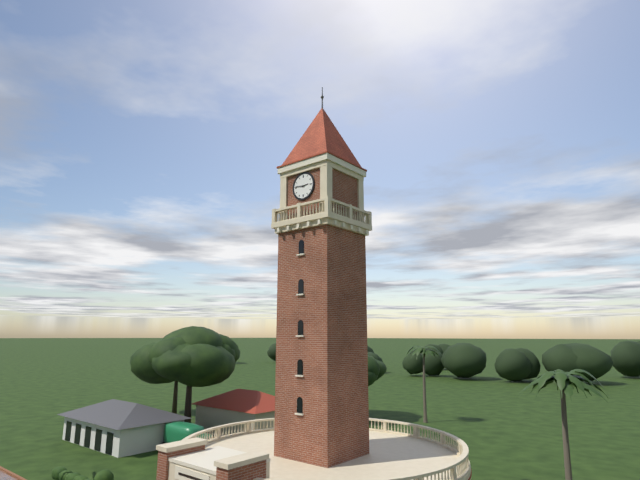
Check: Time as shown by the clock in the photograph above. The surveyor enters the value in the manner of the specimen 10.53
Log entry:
2.46
